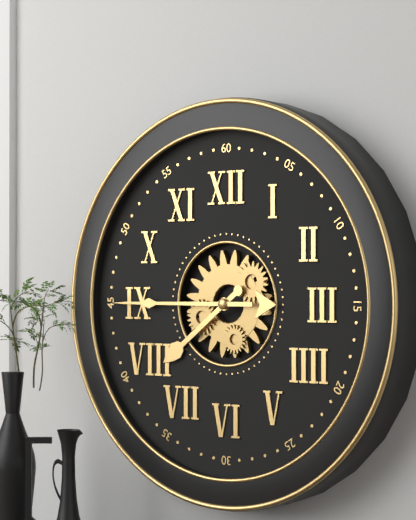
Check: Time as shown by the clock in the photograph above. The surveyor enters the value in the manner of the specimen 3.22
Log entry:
7.45
